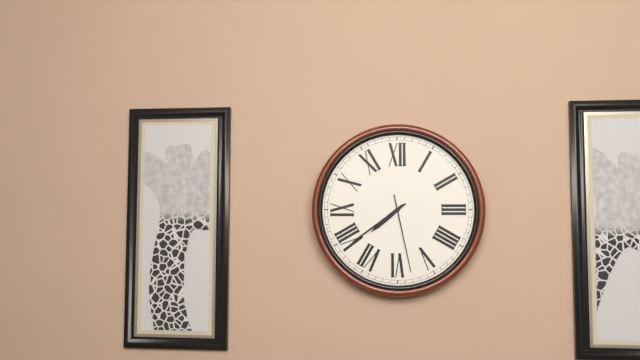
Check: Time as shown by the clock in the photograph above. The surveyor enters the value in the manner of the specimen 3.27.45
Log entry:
7.39.28
